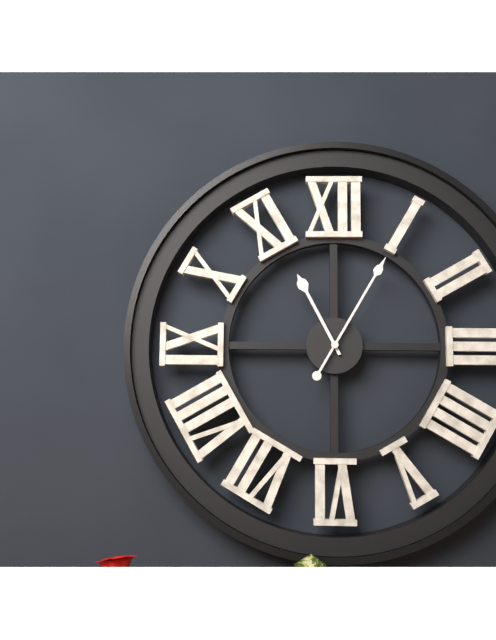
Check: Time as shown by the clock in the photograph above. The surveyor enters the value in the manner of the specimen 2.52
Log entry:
11.05
